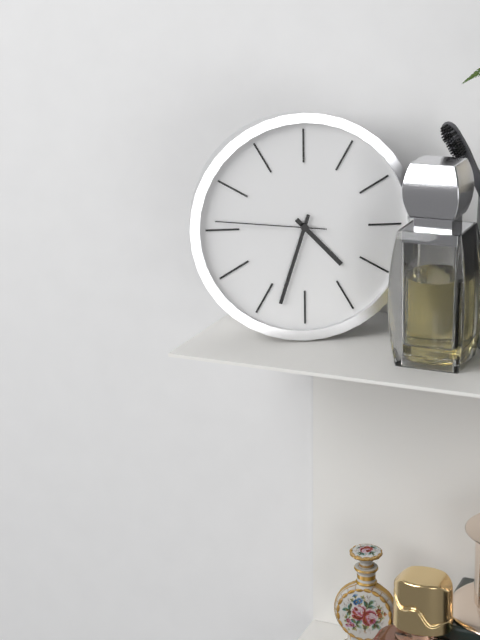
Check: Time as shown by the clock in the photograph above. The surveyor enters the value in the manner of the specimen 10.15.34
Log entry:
4.33.46
